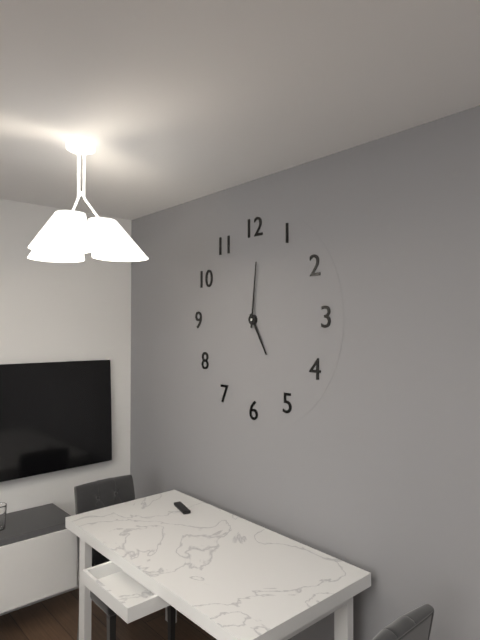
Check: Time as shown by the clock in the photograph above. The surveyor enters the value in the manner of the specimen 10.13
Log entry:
5.01
